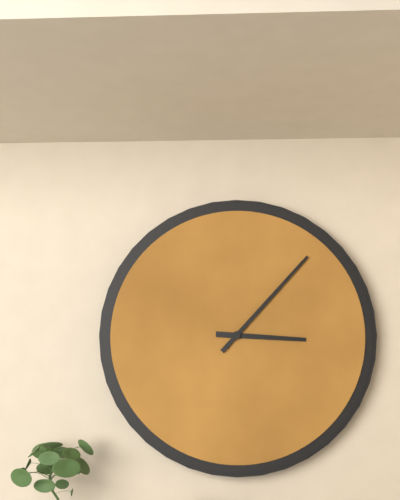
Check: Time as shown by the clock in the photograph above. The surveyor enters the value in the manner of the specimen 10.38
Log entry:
3.07
